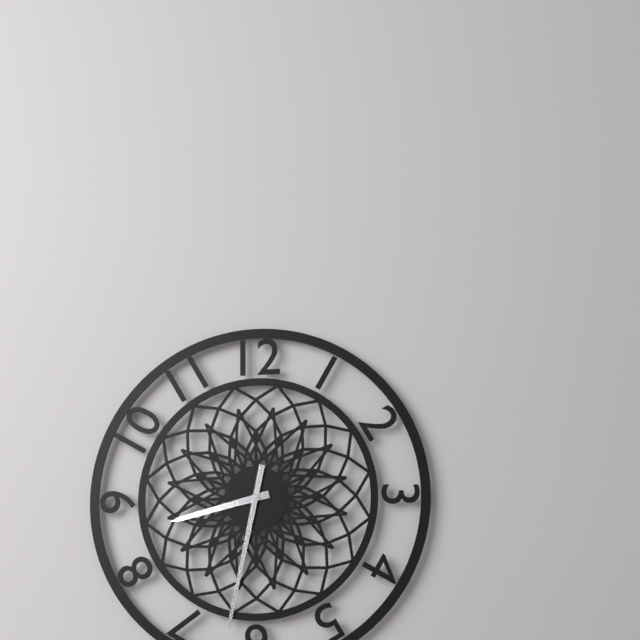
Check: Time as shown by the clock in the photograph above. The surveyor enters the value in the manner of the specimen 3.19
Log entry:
8.32
